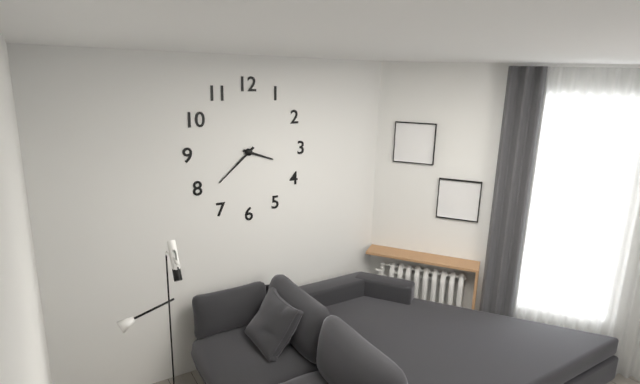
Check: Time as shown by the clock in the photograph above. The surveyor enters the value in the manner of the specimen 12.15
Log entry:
3.38
